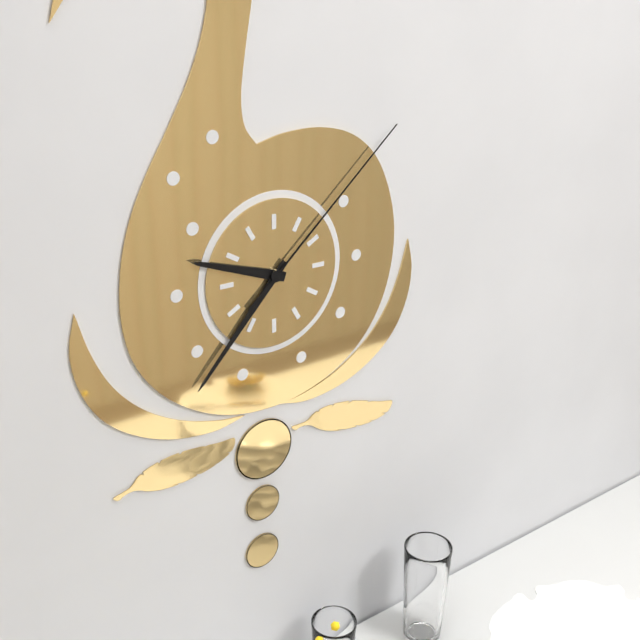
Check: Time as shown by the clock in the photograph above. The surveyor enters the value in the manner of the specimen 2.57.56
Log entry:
9.37.08
